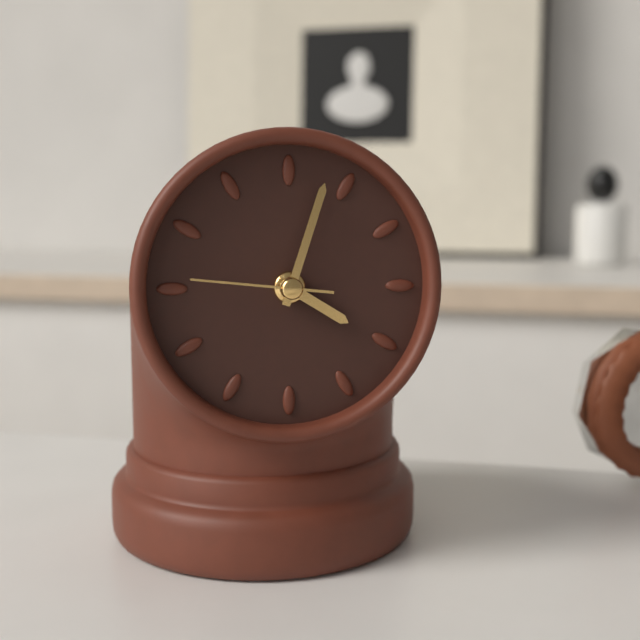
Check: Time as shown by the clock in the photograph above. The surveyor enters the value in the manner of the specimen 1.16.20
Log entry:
4.03.46
